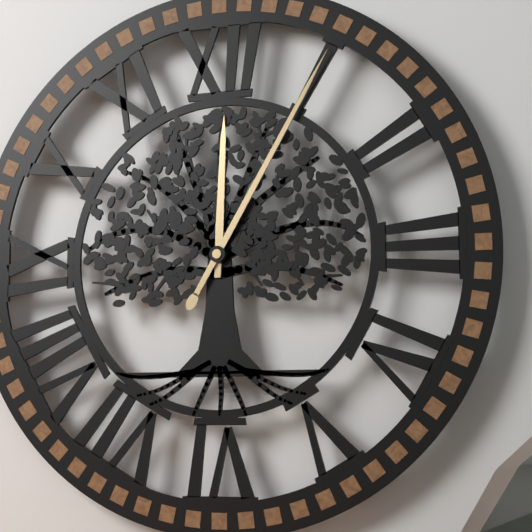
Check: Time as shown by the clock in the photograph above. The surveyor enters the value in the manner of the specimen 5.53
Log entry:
12.05
